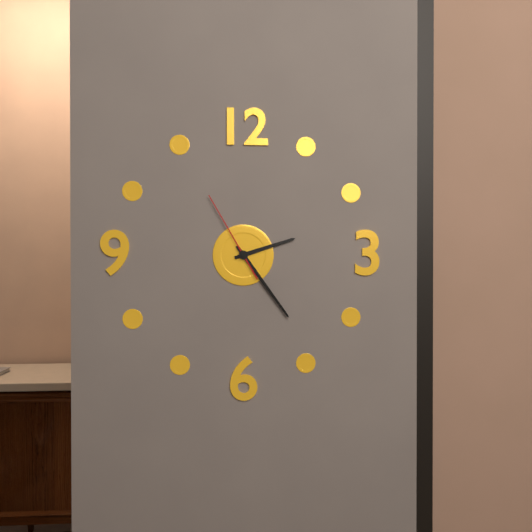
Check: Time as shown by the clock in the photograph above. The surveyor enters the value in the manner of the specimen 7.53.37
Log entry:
2.24.55
